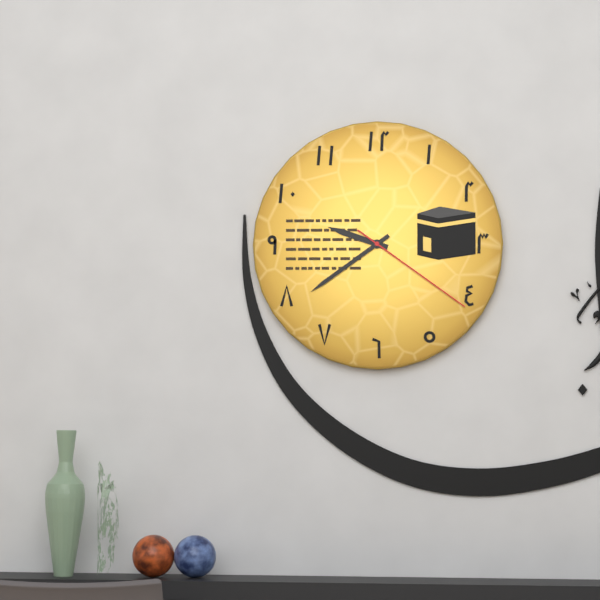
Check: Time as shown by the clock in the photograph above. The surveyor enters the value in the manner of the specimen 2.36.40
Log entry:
9.39.21
